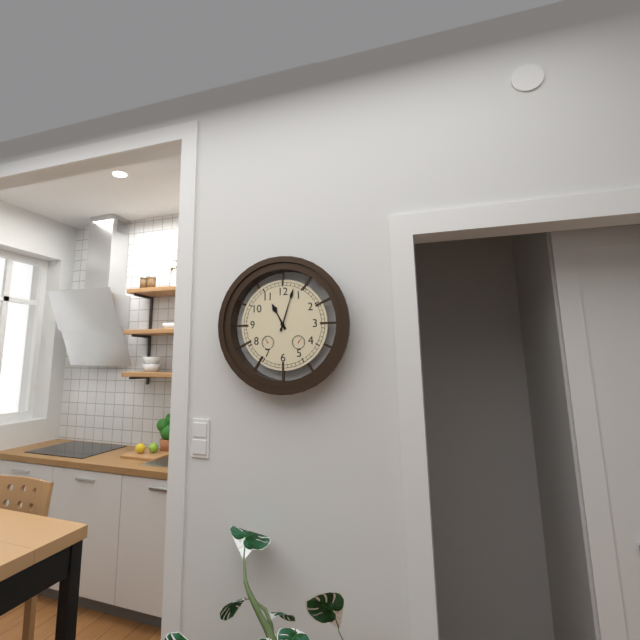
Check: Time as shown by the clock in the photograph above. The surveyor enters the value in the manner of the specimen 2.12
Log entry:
11.03
